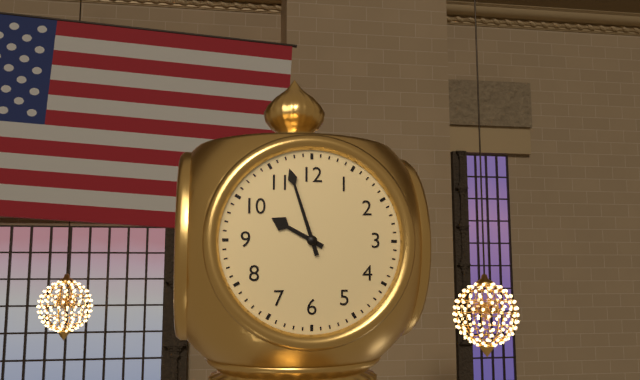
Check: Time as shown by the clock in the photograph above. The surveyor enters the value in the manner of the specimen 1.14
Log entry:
9.57
